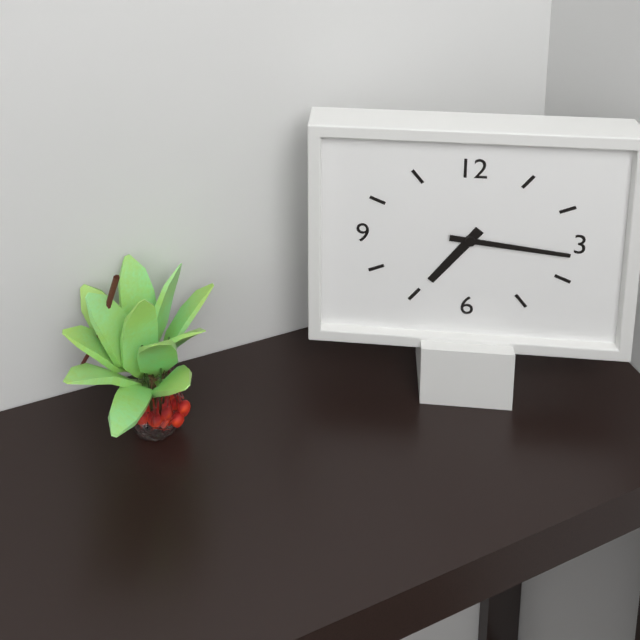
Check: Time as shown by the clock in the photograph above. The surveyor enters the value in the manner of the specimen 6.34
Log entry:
7.16
